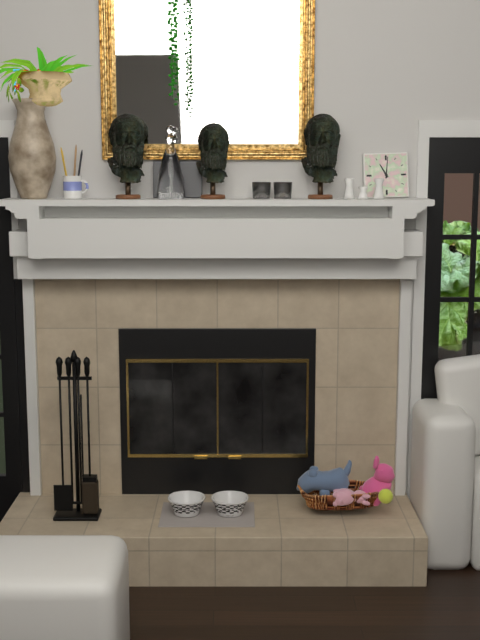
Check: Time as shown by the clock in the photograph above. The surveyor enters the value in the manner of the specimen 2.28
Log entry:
11.01
